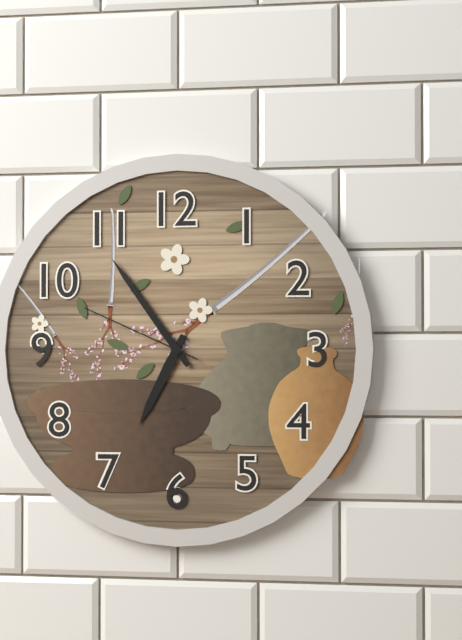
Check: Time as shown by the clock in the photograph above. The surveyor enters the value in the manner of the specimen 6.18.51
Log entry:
6.54.49
